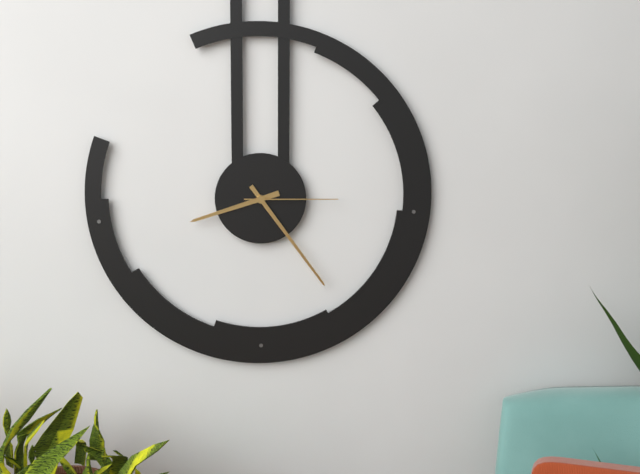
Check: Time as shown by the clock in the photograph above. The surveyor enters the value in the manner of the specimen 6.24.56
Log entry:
8.24.15
